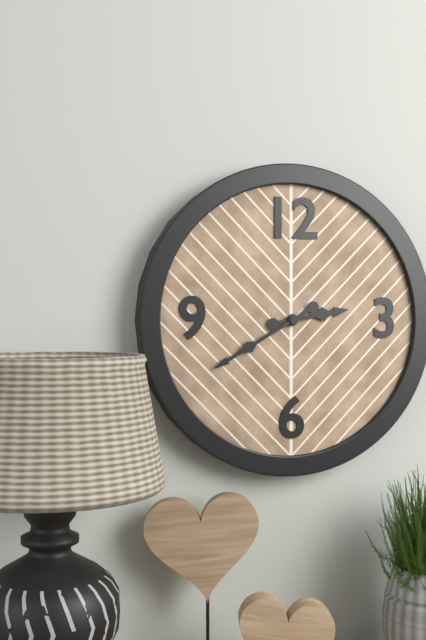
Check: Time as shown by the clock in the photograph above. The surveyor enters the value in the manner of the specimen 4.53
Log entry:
2.40
